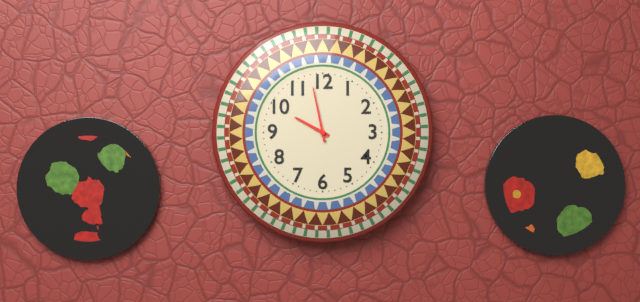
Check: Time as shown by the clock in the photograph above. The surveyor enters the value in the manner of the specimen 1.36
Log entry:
9.58
